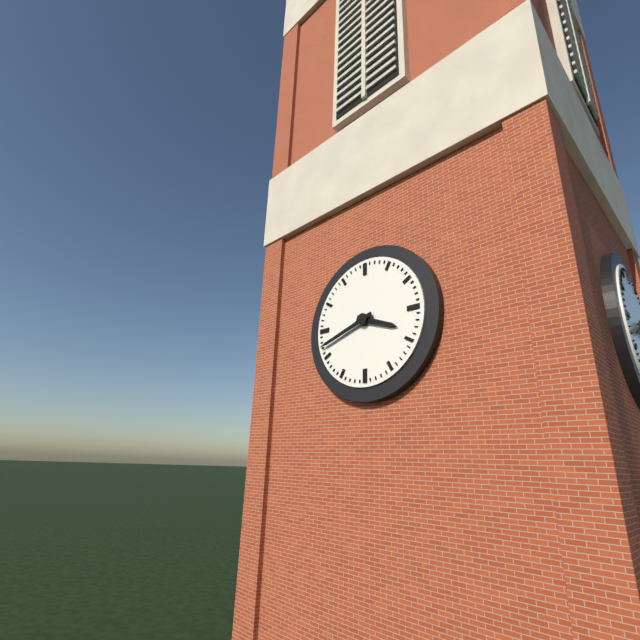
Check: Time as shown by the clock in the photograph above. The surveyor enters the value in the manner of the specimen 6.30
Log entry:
3.42
